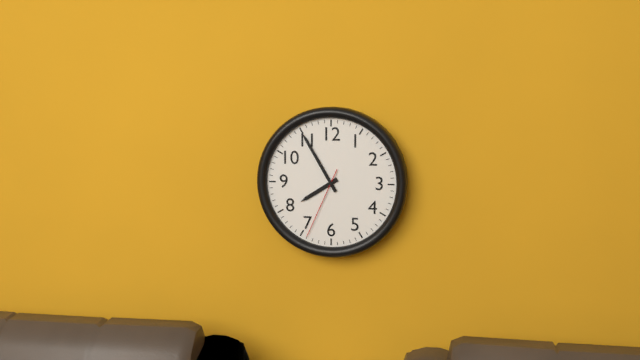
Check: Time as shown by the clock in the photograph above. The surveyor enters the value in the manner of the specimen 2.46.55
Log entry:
7.55.34
